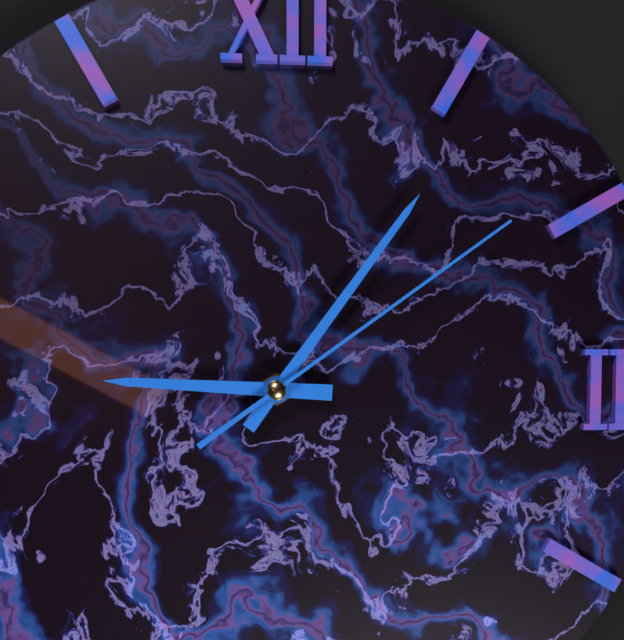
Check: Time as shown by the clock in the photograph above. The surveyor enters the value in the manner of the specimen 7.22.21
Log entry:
9.06.09
